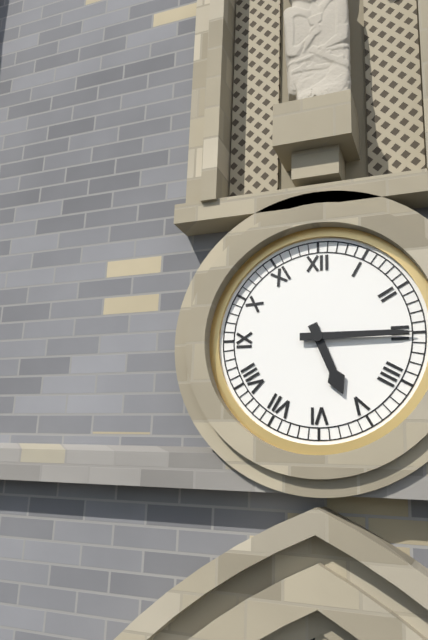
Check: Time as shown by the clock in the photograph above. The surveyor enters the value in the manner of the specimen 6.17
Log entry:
5.15
